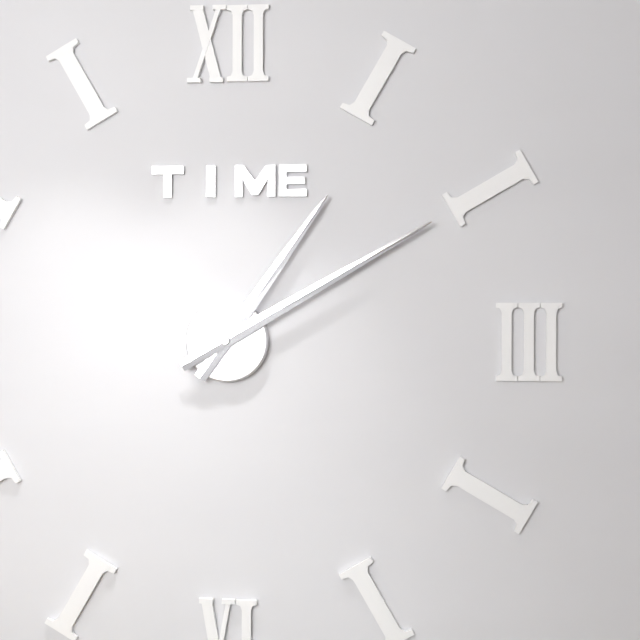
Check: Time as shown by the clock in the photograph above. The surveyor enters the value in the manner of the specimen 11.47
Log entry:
1.10
